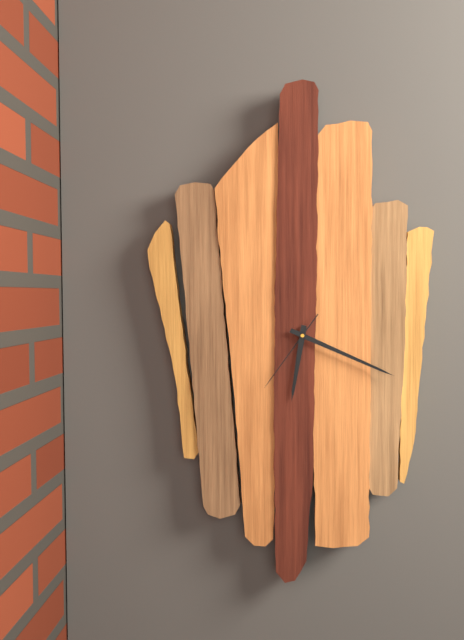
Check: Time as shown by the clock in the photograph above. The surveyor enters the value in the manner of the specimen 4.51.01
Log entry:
6.19.36
